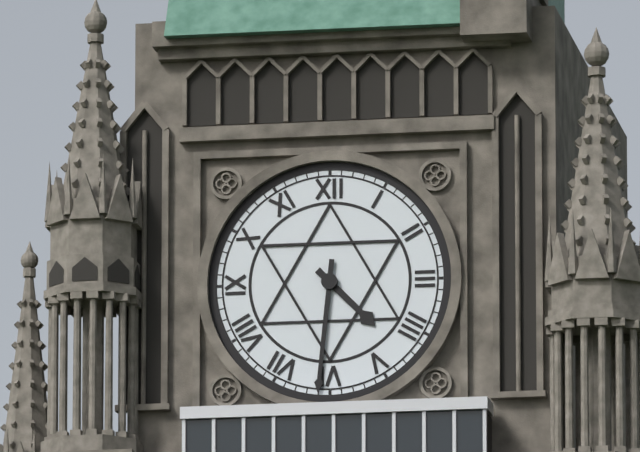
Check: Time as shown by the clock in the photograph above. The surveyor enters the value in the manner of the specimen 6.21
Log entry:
4.31
